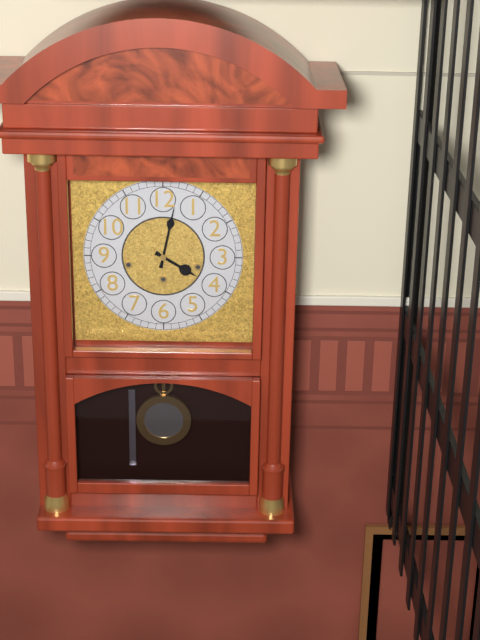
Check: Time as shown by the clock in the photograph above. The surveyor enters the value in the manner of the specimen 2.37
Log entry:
4.02
